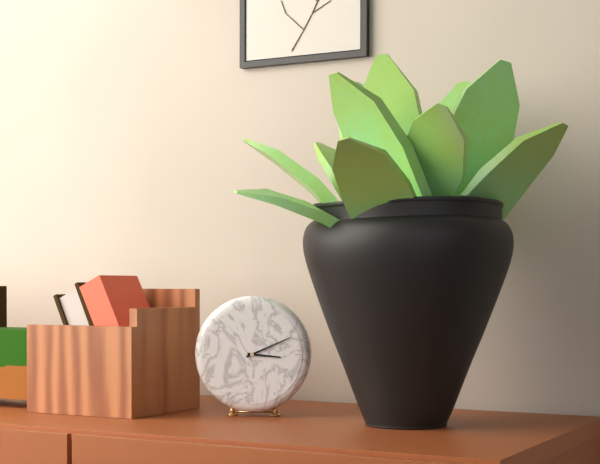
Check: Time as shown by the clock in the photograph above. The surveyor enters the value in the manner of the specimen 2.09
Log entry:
3.11
